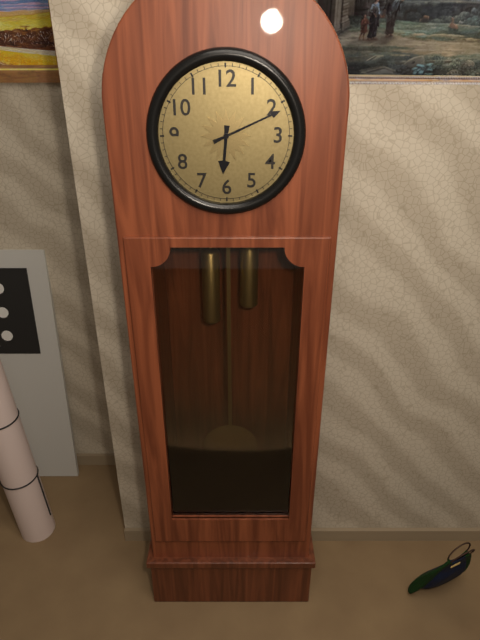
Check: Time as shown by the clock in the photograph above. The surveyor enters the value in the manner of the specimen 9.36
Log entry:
6.11
